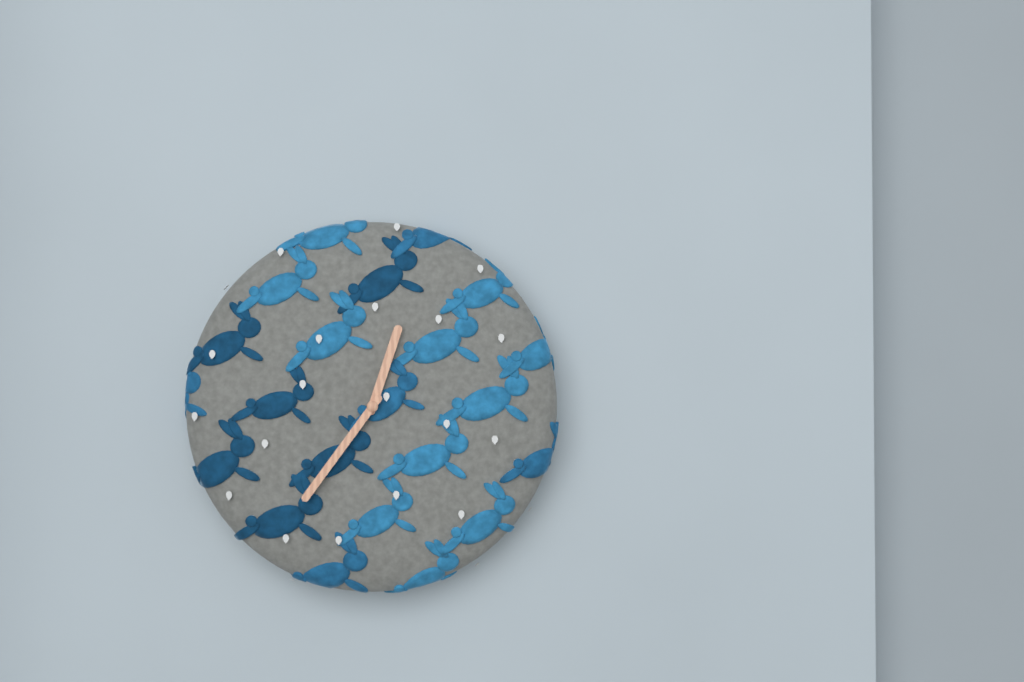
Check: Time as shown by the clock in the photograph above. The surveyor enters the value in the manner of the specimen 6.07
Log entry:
12.36
